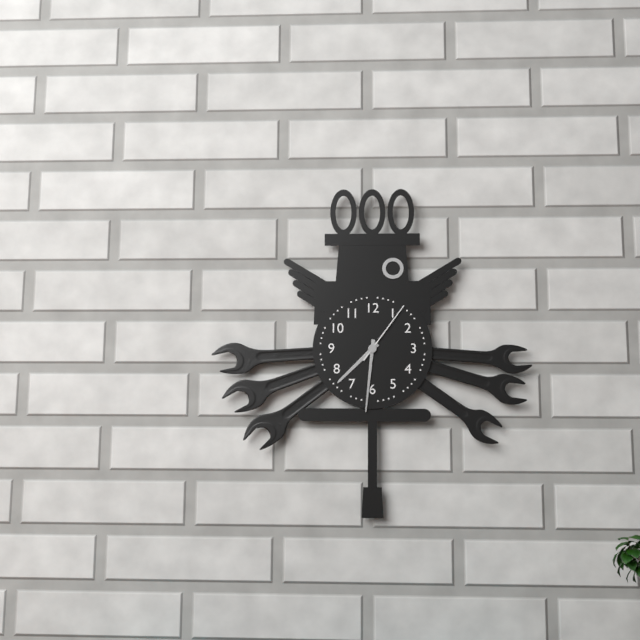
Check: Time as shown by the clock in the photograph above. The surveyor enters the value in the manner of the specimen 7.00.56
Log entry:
7.31.06
